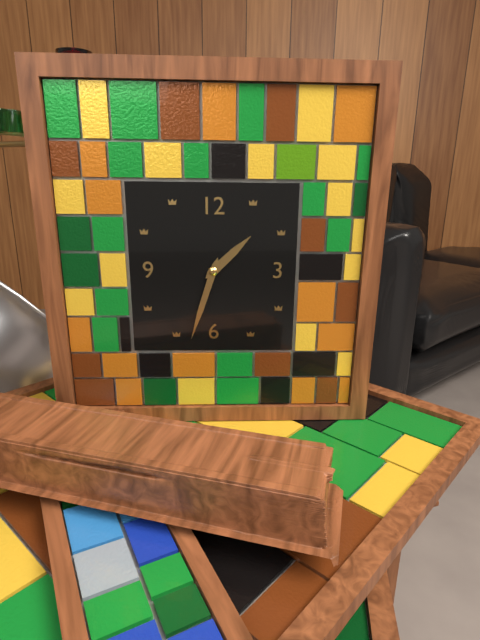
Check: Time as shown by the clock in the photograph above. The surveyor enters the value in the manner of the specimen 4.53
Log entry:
1.33
